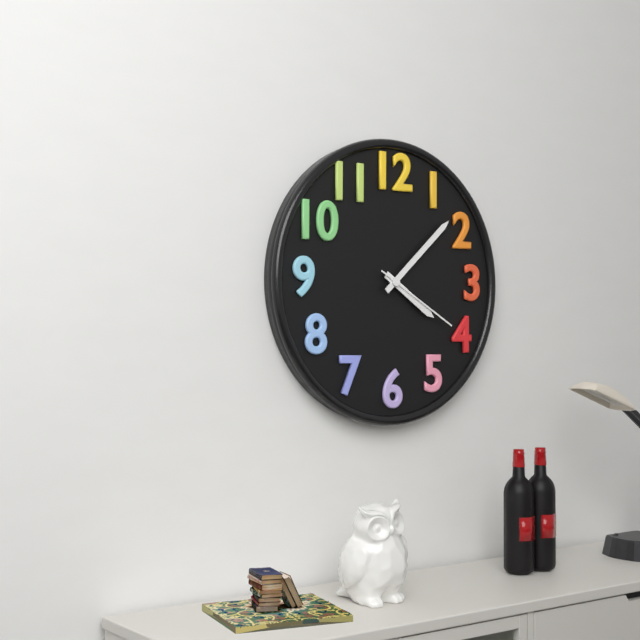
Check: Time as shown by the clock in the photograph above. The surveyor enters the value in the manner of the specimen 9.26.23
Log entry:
4.08.20
